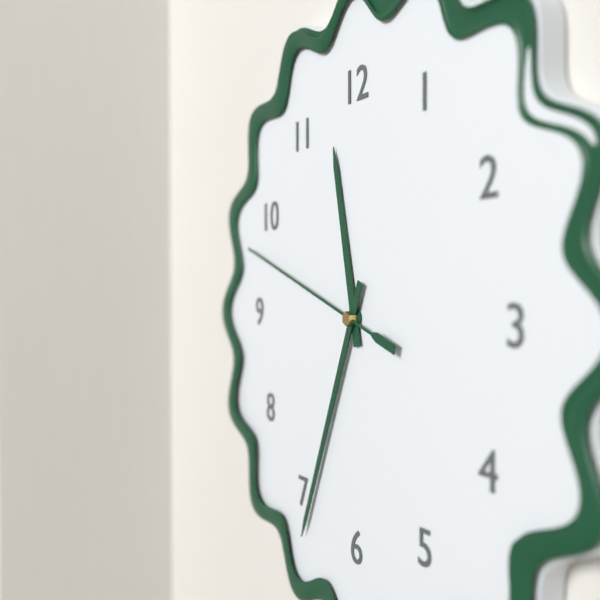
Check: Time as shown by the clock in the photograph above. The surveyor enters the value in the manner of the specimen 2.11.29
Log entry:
11.34.48
